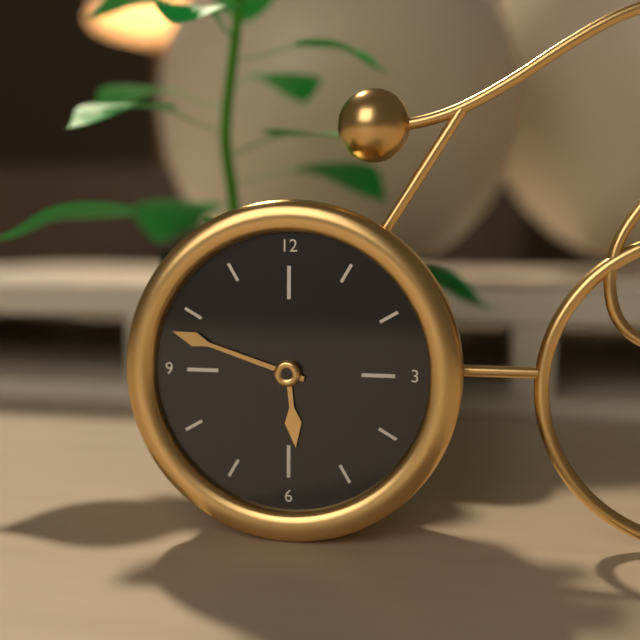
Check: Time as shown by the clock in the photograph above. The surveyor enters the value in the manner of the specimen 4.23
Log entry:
5.48
